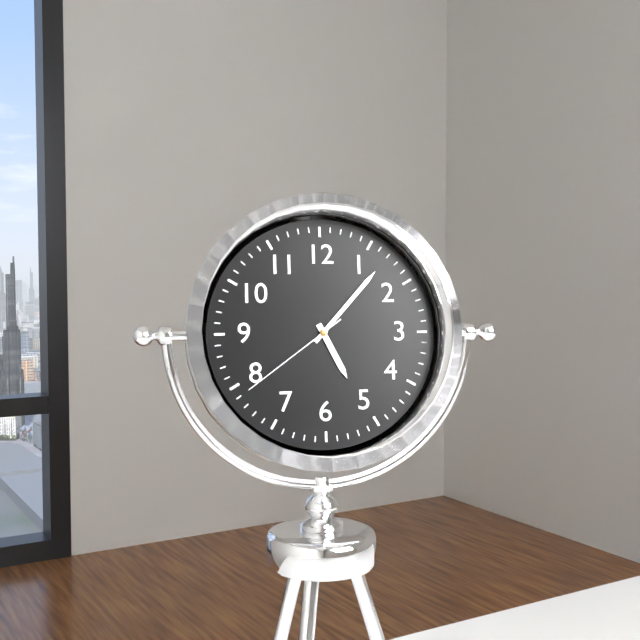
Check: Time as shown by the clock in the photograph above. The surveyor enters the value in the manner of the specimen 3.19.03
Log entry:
5.07.39
